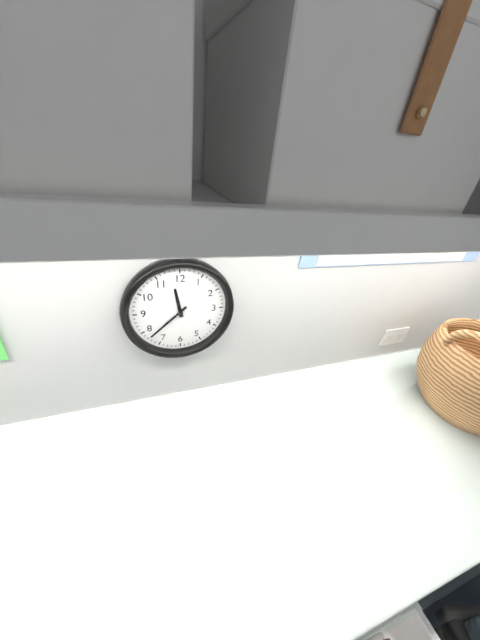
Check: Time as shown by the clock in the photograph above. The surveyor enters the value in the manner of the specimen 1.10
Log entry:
11.38
